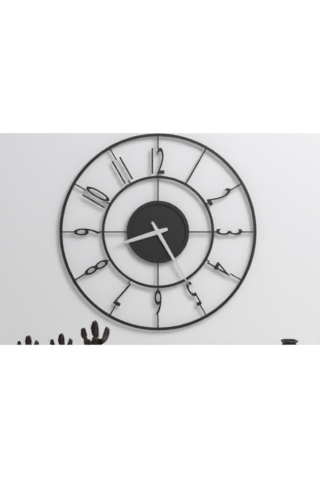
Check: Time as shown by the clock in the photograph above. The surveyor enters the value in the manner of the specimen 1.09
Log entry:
8.25
